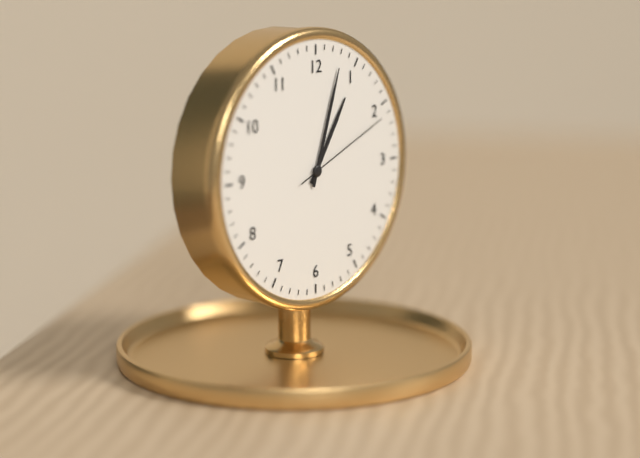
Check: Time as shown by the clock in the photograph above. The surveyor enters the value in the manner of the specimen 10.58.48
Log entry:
1.03.11
